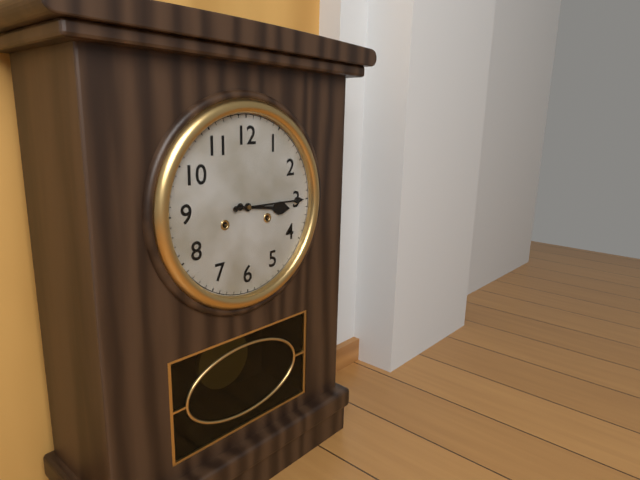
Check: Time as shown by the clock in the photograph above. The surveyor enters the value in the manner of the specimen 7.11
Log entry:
3.15
